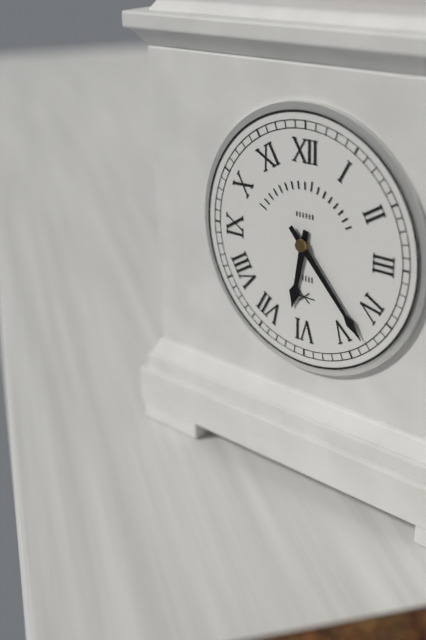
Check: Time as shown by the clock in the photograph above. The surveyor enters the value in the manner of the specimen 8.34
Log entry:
6.23
